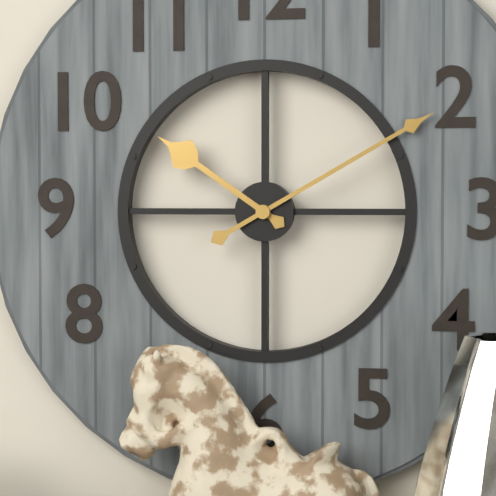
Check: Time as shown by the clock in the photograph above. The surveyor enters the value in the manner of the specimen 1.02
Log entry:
10.10
